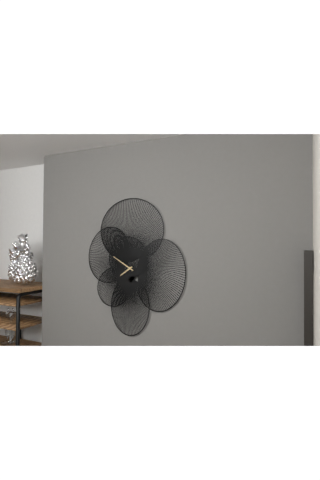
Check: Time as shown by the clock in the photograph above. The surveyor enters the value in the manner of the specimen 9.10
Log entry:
7.50
